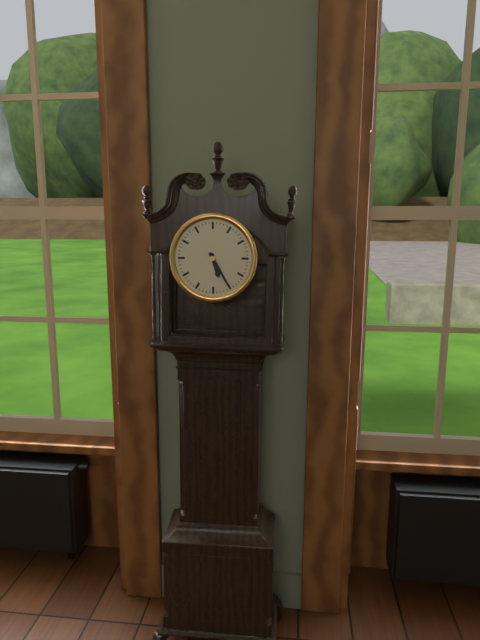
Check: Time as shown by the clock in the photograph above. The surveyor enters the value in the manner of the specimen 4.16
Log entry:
5.25
